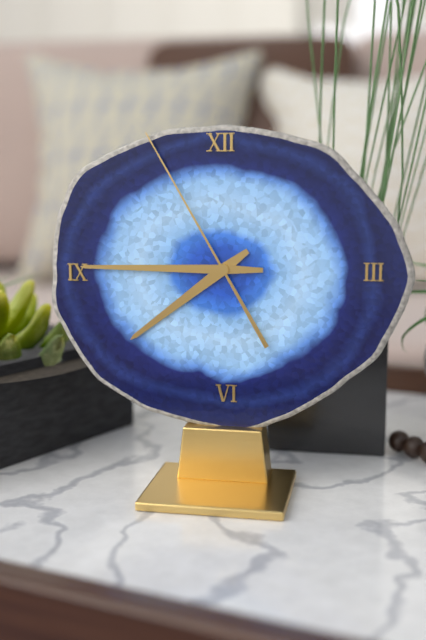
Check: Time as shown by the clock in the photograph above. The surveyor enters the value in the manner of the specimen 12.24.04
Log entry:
7.45.55
